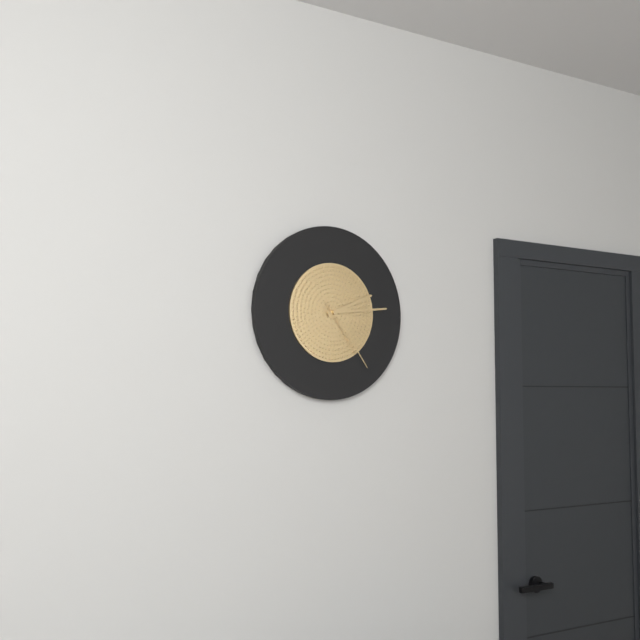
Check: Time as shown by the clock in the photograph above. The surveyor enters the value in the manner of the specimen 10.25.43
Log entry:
2.14.24
